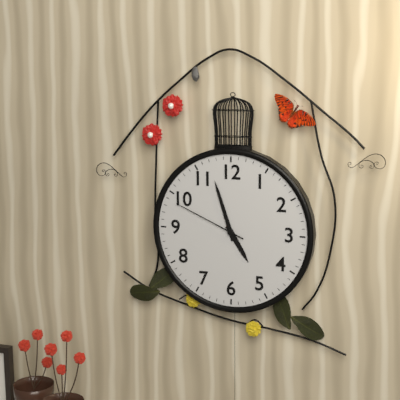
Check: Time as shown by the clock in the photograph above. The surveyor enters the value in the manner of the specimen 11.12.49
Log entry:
4.57.49
